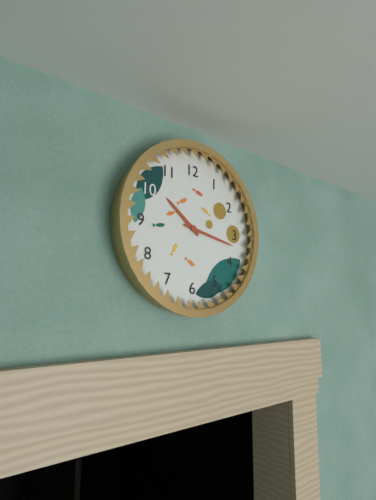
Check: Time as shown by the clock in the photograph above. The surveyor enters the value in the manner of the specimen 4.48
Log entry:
10.17
